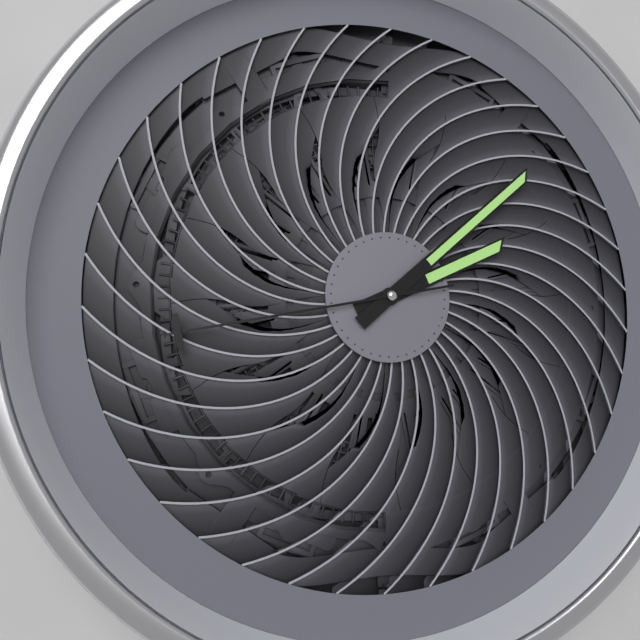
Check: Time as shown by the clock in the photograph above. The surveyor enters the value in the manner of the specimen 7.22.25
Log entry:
2.08.43
